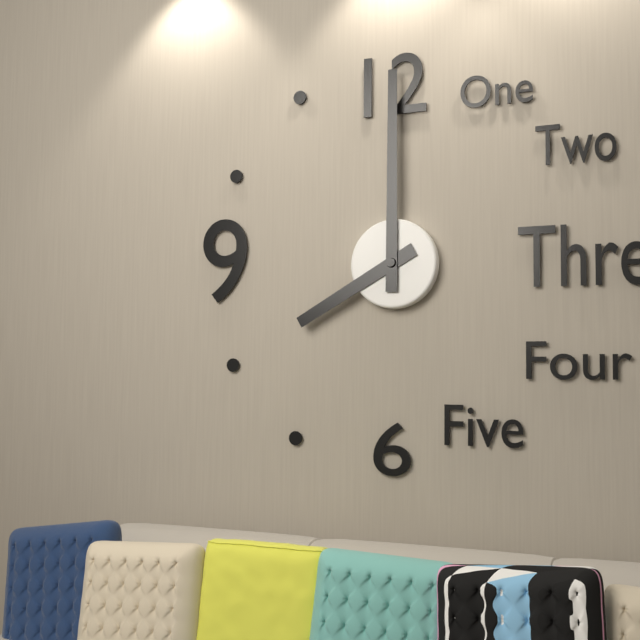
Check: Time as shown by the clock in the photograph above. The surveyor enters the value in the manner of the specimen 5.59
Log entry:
8.00
